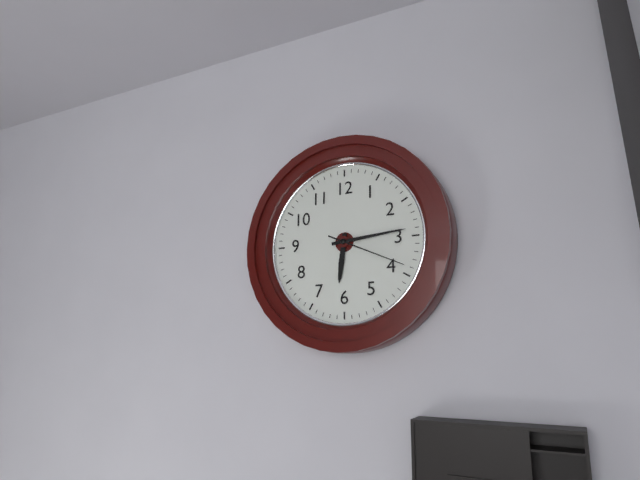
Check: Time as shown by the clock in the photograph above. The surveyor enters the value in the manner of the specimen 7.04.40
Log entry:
6.14.19
